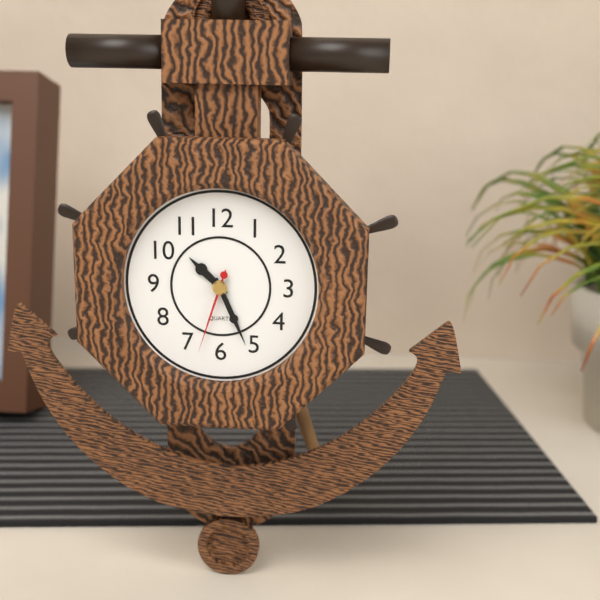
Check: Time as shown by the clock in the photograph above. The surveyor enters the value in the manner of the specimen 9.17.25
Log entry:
10.26.33
